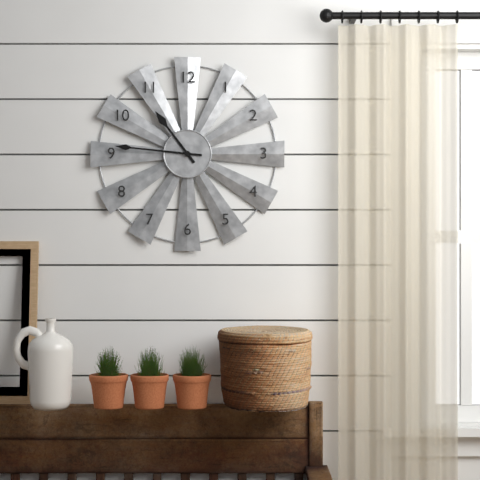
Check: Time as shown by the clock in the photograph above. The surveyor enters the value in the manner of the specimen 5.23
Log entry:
10.46
